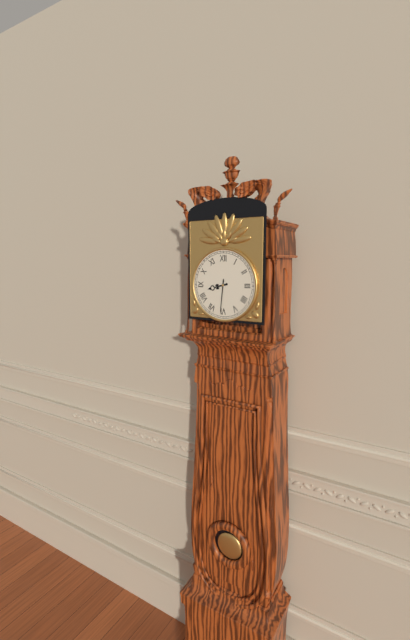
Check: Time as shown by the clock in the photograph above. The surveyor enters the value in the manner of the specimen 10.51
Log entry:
8.31
